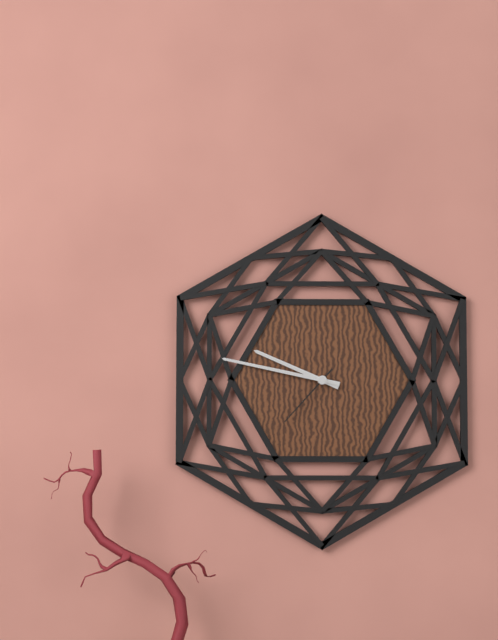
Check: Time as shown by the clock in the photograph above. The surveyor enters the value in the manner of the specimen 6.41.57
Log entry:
9.47.37
